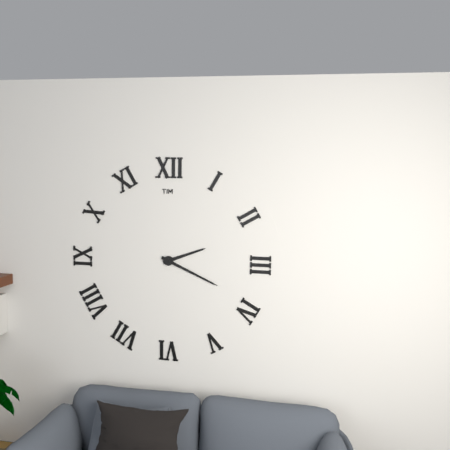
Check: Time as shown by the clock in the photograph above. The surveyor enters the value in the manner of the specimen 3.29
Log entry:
2.19
